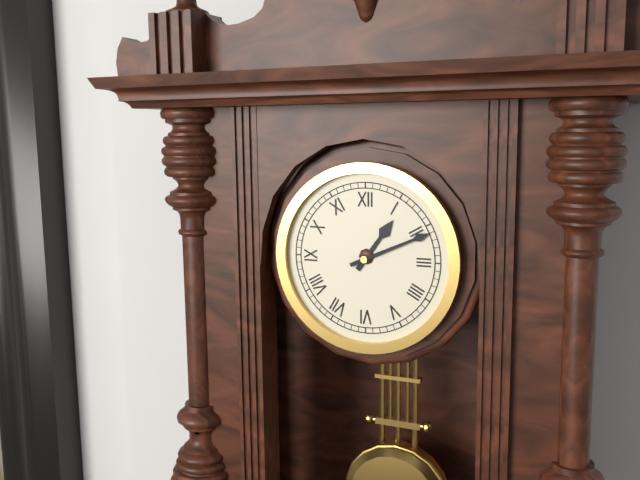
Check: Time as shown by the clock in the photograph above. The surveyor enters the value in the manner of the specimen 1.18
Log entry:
1.11
